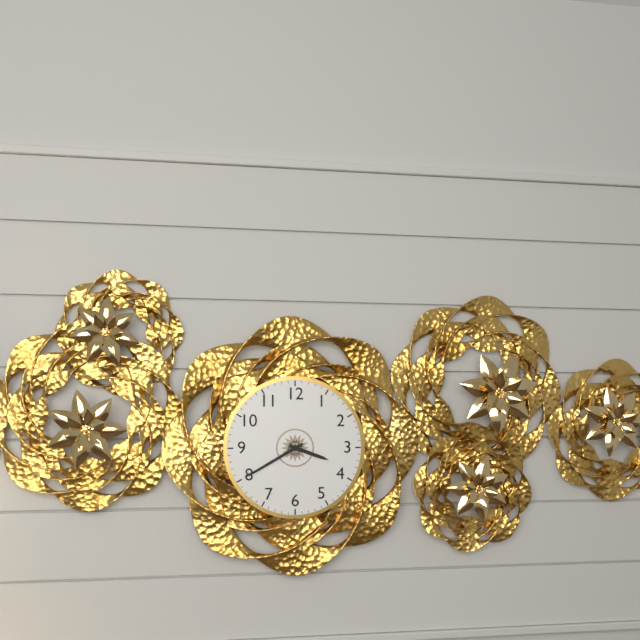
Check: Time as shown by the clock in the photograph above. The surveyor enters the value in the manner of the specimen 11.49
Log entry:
3.40
